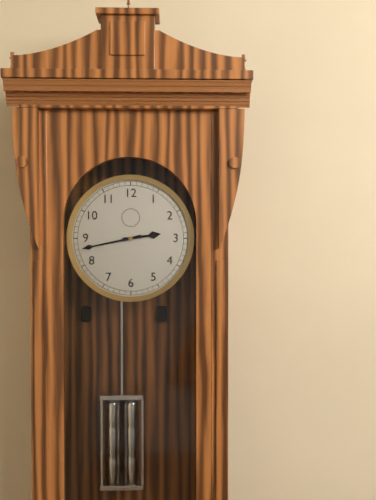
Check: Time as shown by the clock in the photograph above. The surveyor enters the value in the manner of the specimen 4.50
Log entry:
2.43
